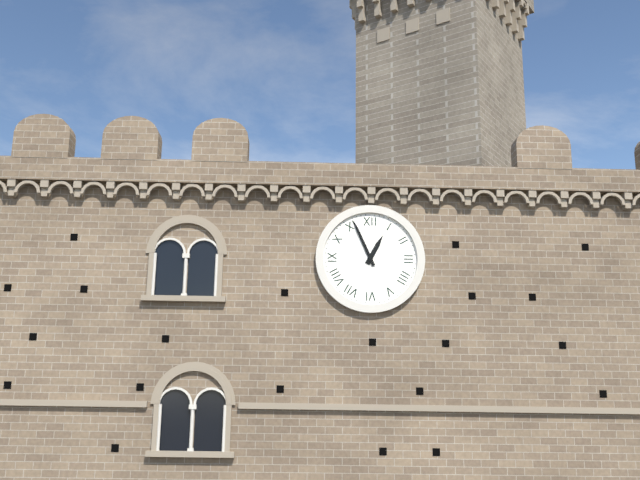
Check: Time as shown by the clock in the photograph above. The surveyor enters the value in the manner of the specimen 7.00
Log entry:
12.56
